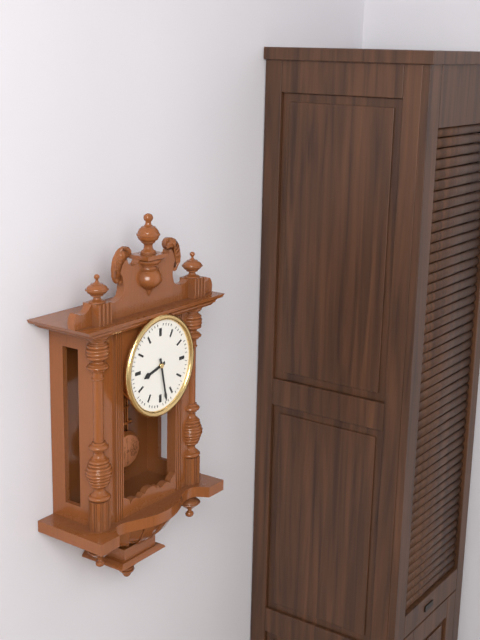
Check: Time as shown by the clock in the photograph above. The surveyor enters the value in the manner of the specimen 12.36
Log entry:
8.28
